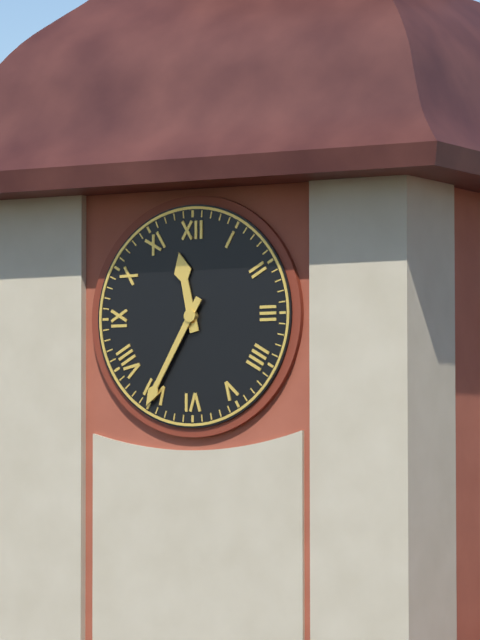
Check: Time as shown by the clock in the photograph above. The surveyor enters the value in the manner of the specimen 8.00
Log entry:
11.35
